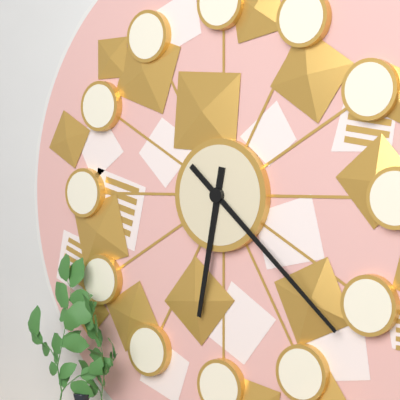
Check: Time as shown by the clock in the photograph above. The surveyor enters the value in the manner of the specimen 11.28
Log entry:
6.22
